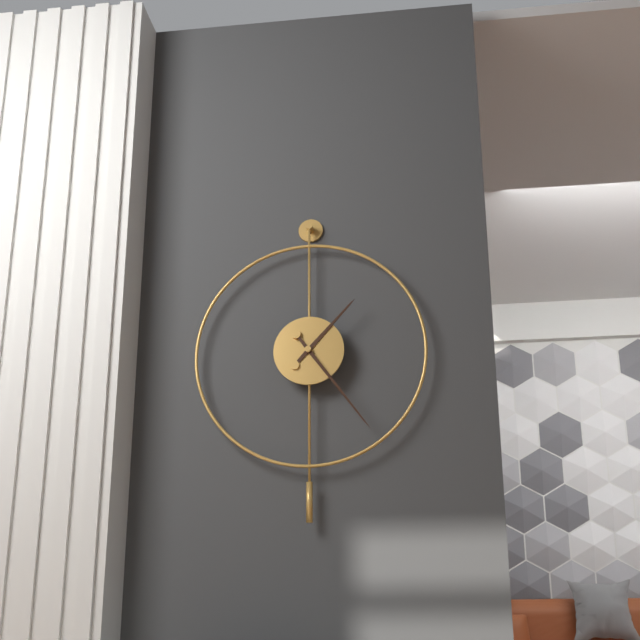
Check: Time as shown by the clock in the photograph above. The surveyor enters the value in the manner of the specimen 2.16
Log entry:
1.24
